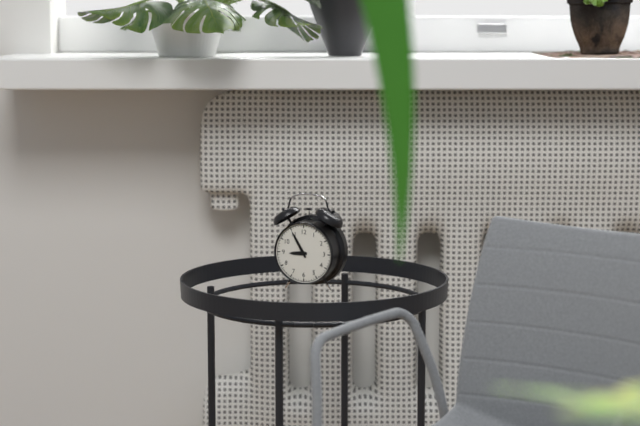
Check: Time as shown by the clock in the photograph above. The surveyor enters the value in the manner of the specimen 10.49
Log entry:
8.55
